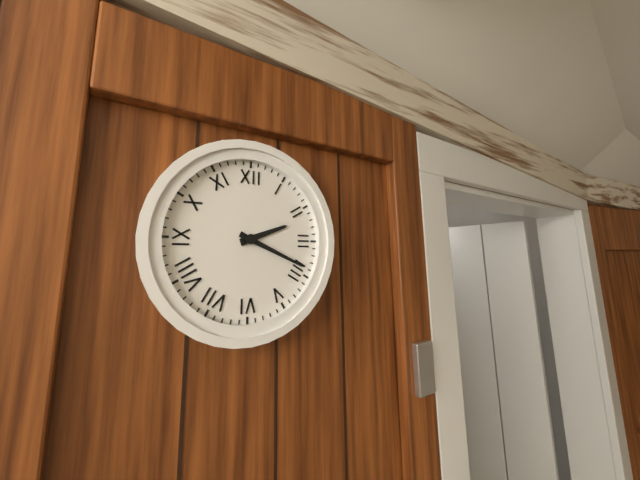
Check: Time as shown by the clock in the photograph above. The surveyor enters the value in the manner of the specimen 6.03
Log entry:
2.19
